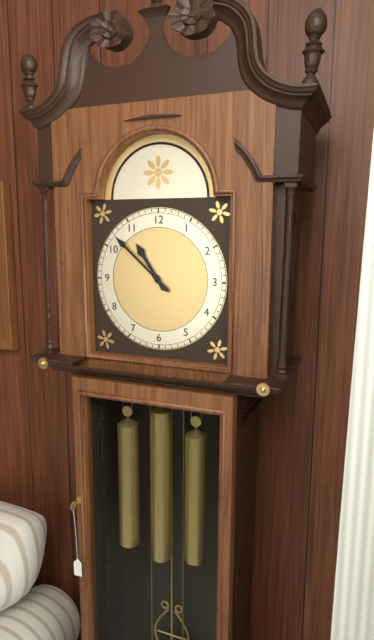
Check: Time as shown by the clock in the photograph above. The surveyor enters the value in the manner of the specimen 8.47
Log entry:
10.52
